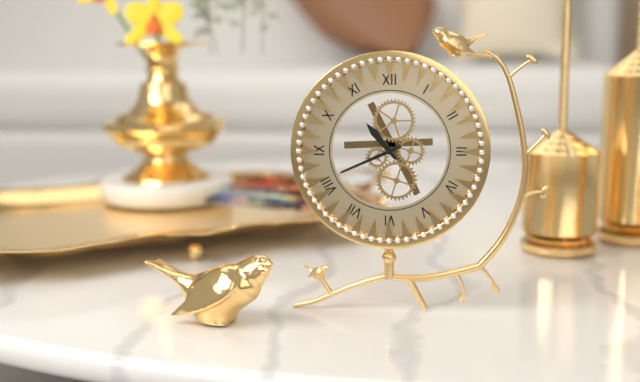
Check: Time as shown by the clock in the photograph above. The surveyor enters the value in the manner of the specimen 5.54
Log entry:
10.41
